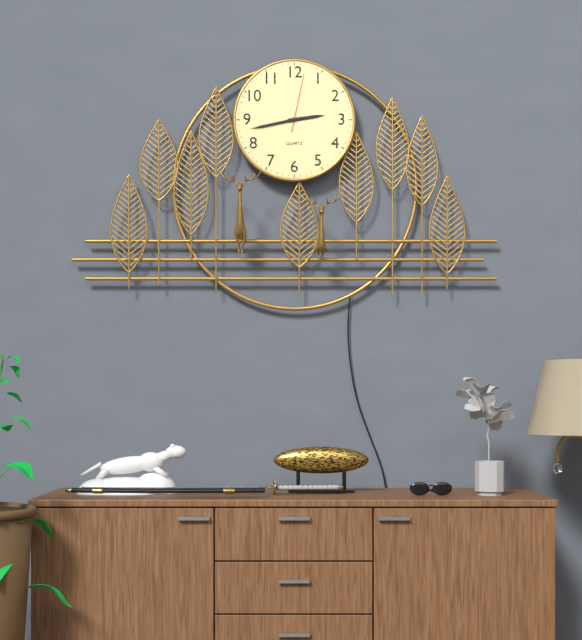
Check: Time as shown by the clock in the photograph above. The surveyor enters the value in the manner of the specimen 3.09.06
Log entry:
2.43.02
